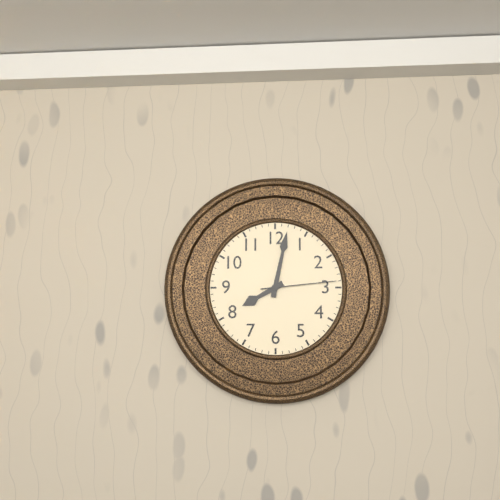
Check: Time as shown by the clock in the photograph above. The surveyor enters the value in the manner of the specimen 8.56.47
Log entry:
8.02.14
